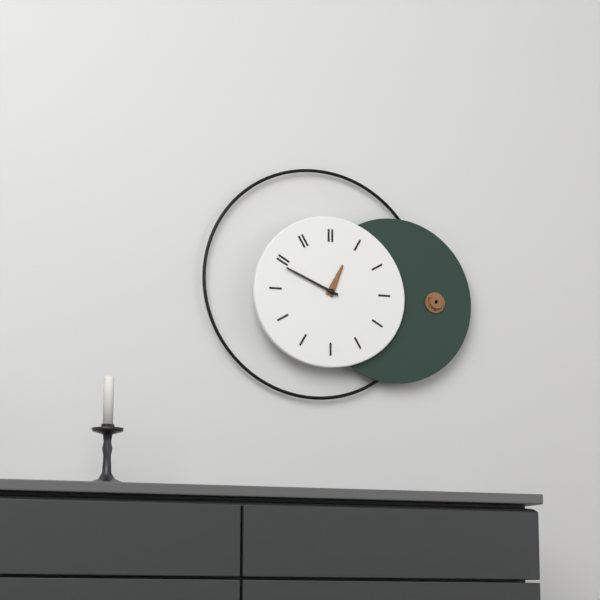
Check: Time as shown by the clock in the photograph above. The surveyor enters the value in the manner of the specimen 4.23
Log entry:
12.49
